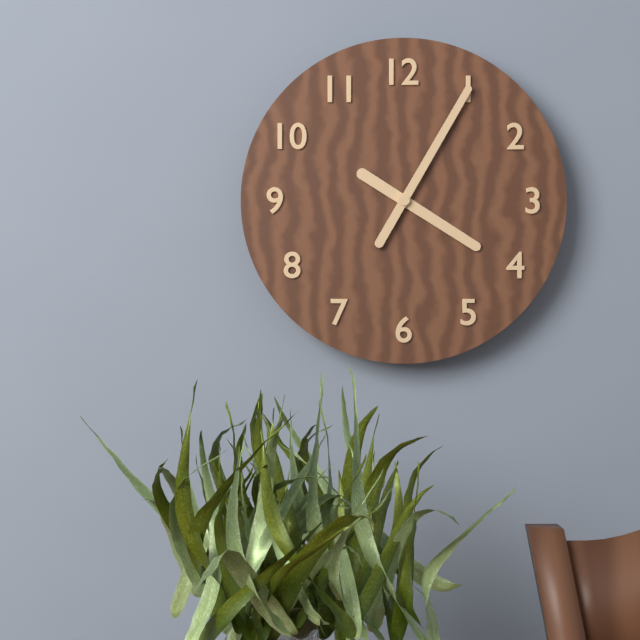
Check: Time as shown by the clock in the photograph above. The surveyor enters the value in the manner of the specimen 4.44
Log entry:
4.05
